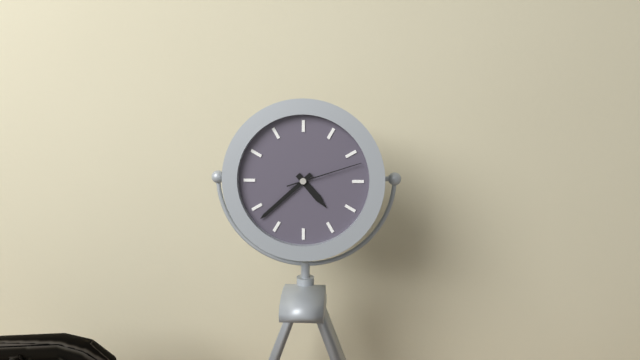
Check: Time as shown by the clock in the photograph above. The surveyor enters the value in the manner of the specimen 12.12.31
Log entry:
4.38.12
